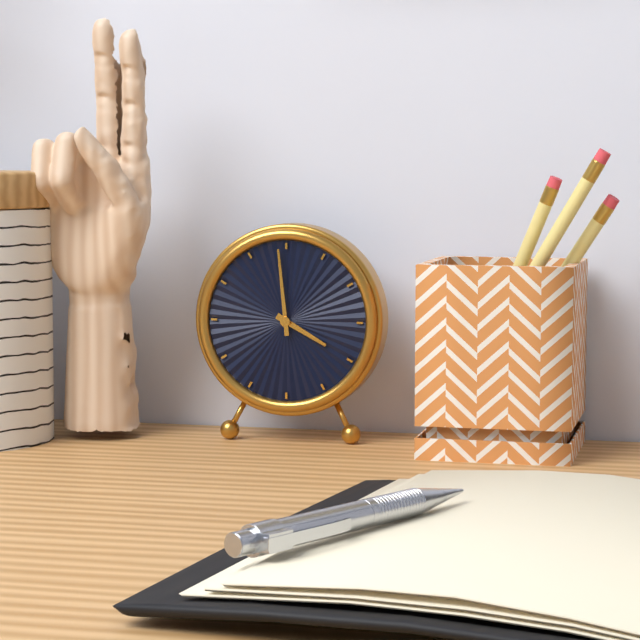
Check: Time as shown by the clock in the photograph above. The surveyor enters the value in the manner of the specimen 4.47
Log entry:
3.59
